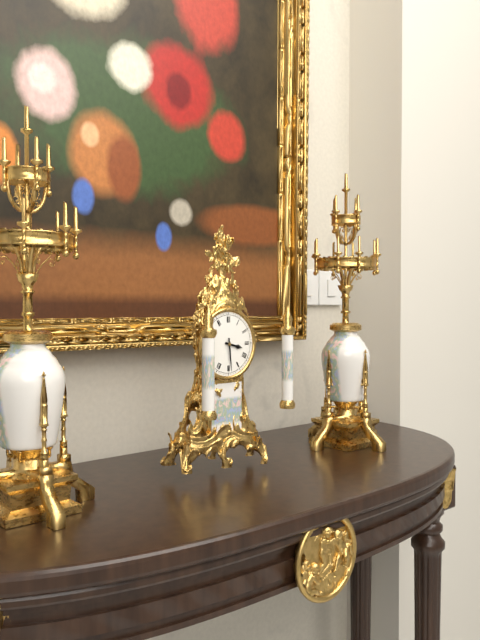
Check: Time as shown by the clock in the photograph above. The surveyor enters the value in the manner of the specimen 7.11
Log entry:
3.29
